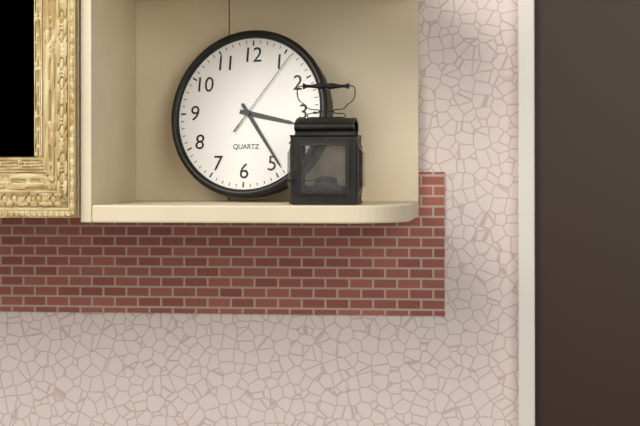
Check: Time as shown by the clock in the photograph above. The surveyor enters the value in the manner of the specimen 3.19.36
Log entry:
3.24.06
